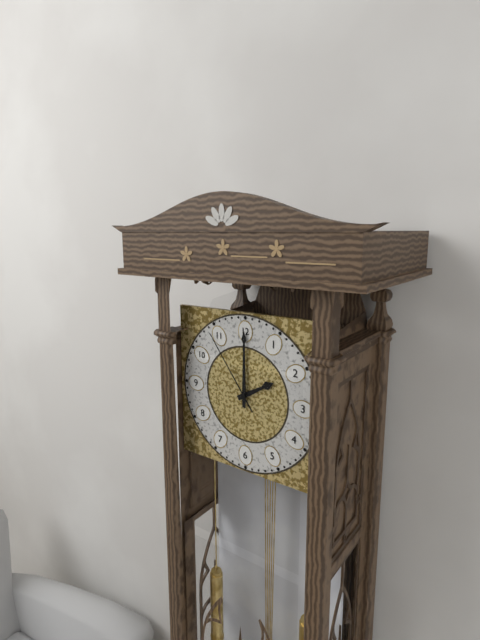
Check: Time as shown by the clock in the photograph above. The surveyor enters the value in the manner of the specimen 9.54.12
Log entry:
2.00.54
